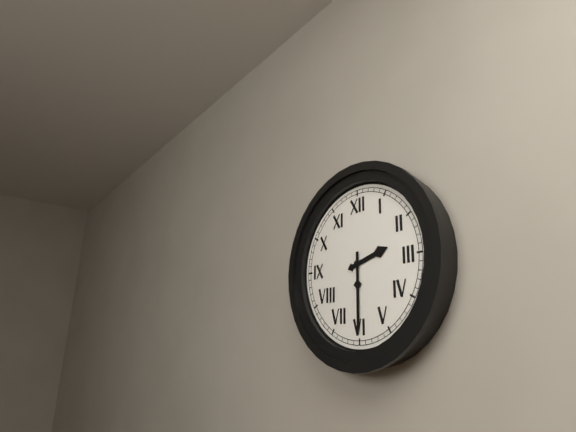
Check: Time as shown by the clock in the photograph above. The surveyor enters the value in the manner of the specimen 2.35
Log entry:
2.30
